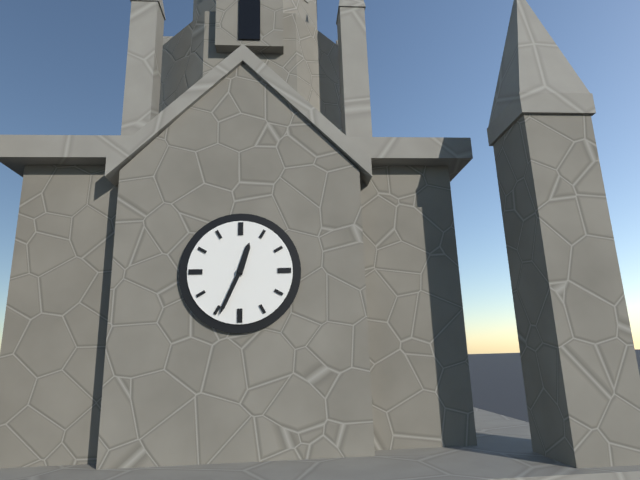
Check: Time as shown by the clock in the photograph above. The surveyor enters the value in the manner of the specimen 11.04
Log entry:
12.34
